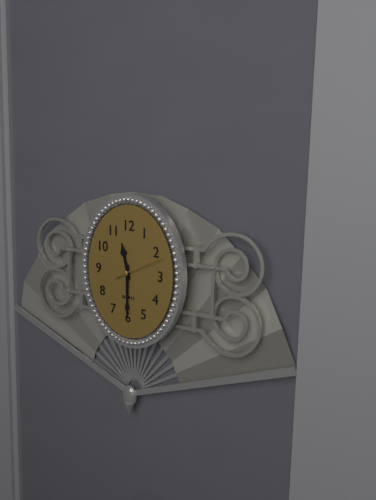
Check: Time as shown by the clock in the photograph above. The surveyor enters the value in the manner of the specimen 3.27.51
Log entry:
11.30.11
